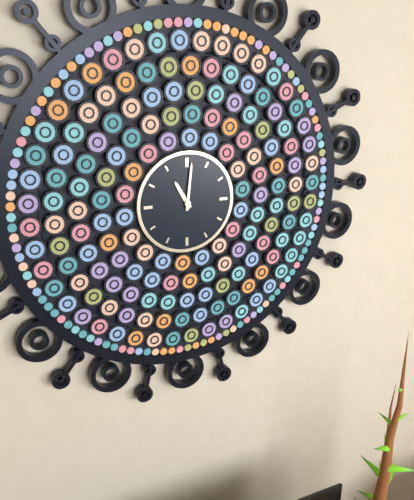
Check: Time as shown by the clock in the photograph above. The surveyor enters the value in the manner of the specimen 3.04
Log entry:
11.01
